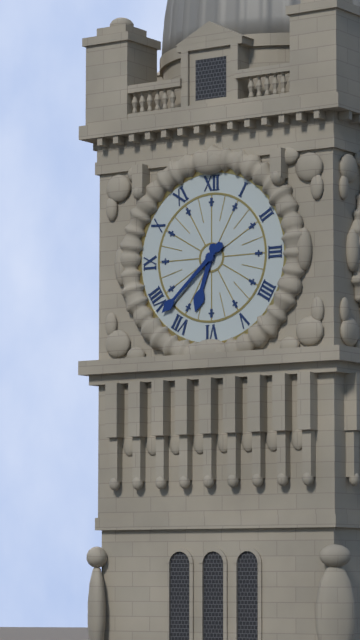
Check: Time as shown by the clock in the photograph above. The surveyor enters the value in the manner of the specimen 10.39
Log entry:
6.38
